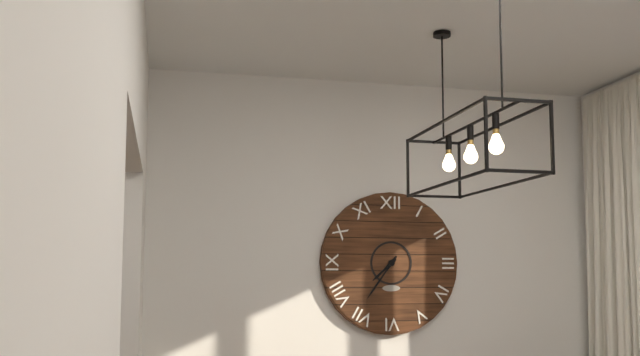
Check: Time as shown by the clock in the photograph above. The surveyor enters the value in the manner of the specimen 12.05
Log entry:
7.36
